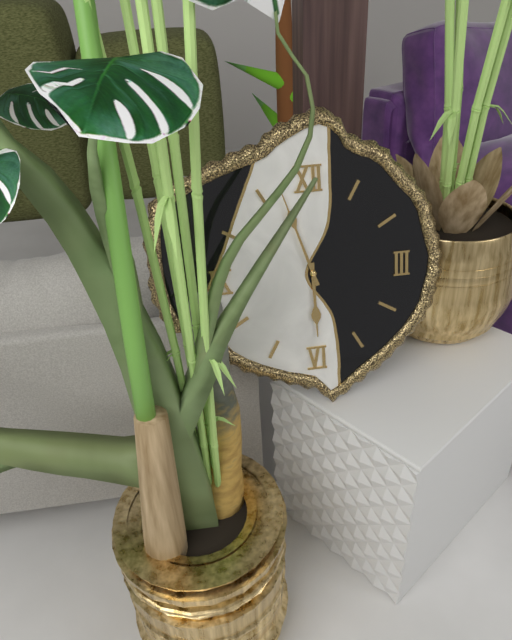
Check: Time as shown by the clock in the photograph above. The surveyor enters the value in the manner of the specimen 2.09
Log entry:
5.57
